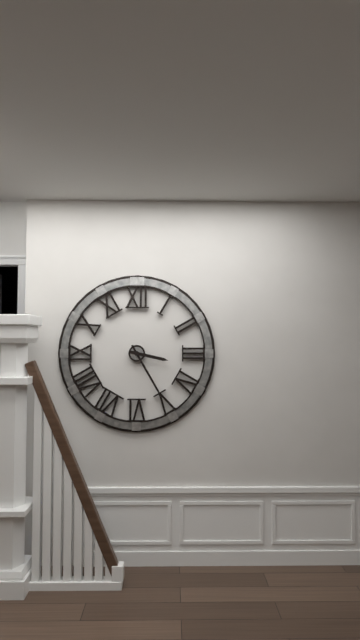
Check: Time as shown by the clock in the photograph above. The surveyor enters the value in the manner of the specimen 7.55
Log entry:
3.25
